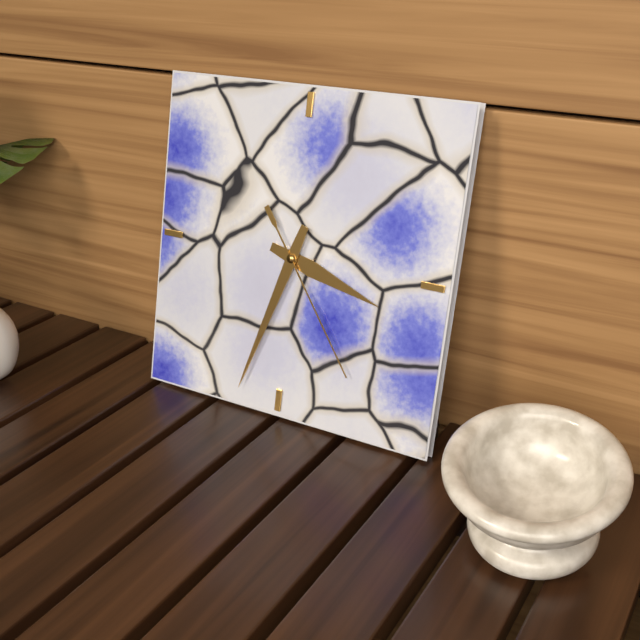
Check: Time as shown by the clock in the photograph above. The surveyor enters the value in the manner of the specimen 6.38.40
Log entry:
3.33.24
